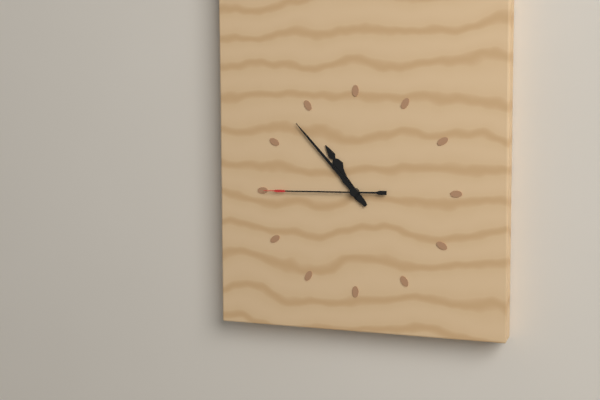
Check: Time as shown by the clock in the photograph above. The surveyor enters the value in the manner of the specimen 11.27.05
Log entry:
10.53.45
